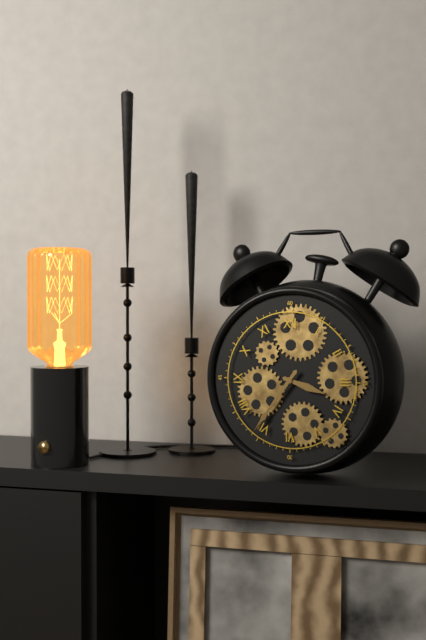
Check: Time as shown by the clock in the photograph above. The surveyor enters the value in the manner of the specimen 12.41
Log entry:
3.36
